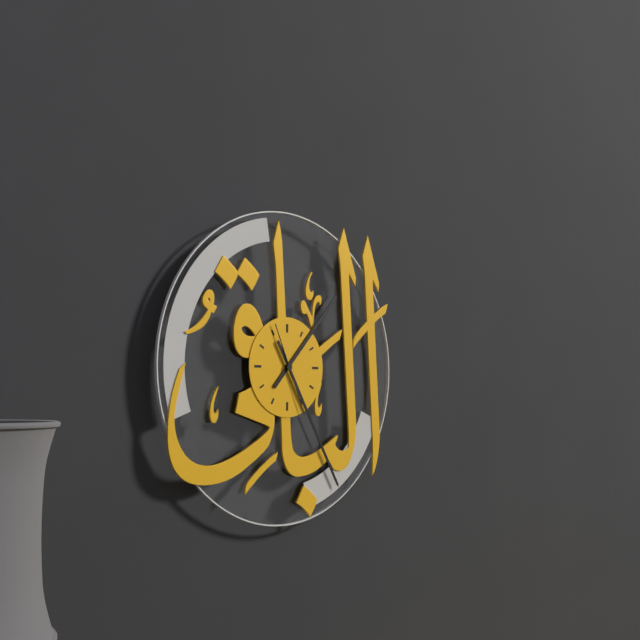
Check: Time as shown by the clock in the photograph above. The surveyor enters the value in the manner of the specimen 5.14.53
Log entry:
1.25.26
